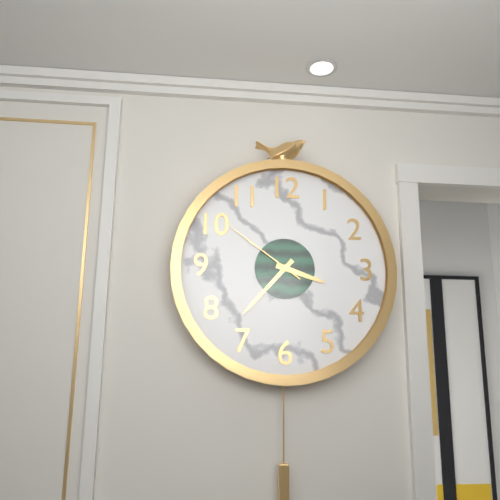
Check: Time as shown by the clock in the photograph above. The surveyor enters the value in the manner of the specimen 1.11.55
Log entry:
3.37.51
